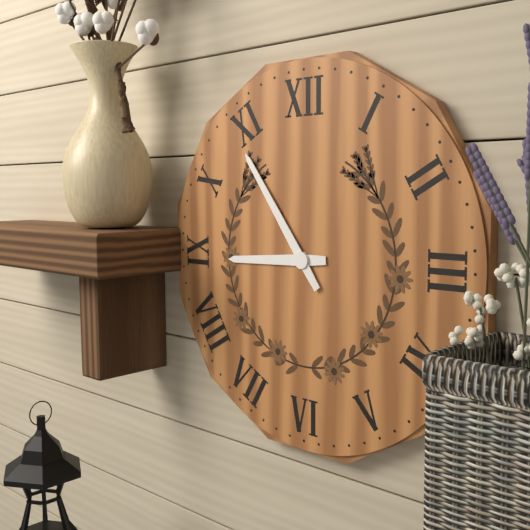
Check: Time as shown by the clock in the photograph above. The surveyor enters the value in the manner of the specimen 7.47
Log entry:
8.54
